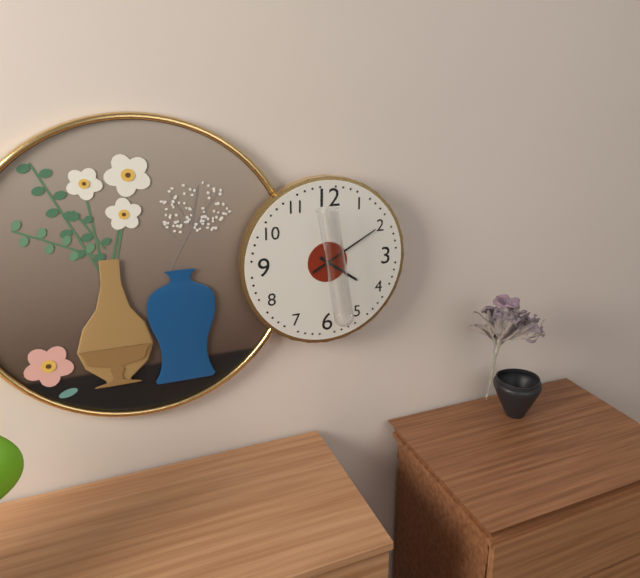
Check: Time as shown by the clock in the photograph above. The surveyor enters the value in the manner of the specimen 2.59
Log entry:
4.10
